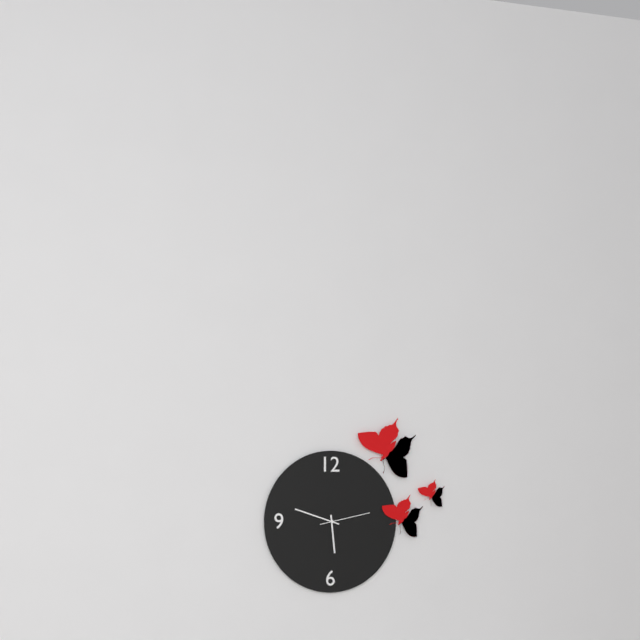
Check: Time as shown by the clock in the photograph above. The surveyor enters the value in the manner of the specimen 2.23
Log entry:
5.48
